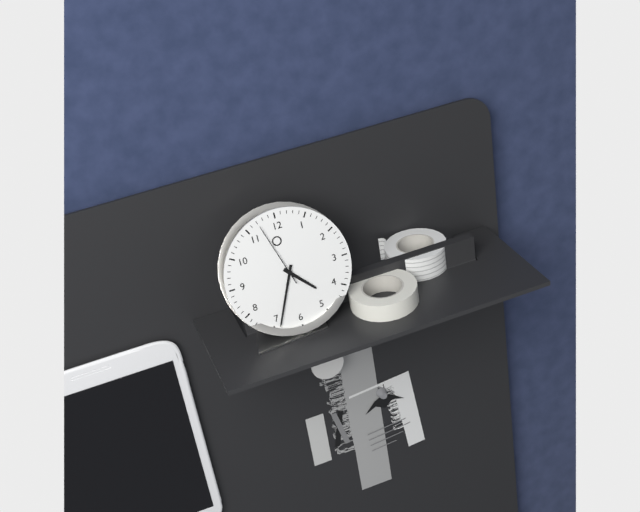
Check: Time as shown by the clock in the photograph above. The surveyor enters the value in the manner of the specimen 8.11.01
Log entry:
4.34.57
